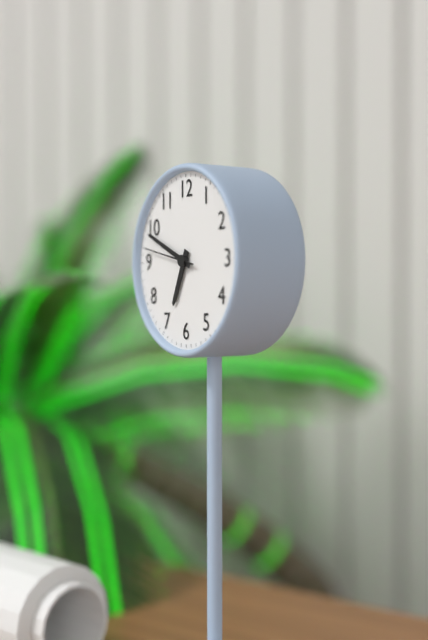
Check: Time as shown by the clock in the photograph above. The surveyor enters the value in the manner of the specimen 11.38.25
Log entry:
6.49.47
